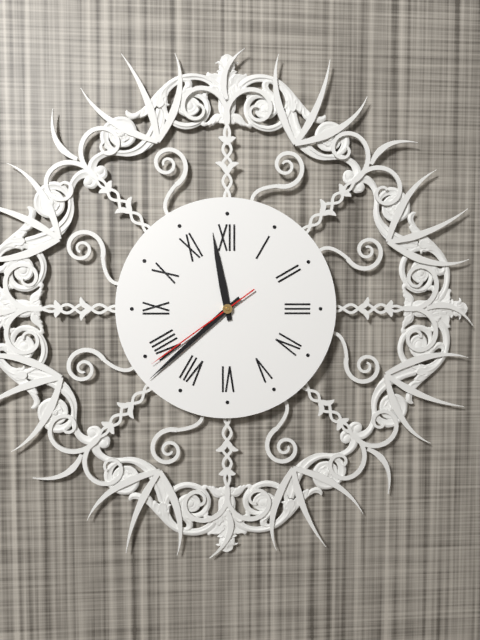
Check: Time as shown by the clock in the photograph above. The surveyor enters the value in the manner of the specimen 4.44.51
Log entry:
11.38.39
